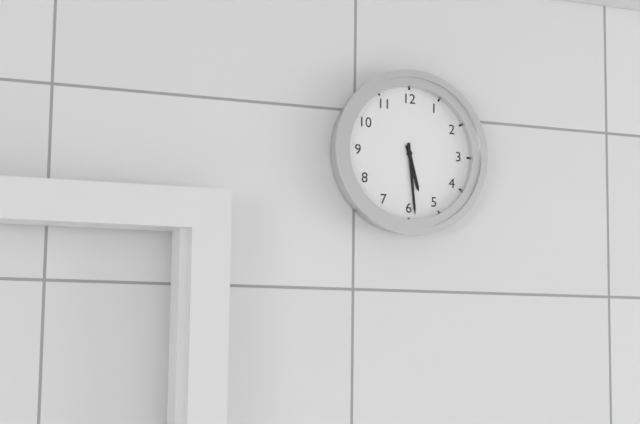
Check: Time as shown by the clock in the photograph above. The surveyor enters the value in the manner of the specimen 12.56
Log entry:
5.29
